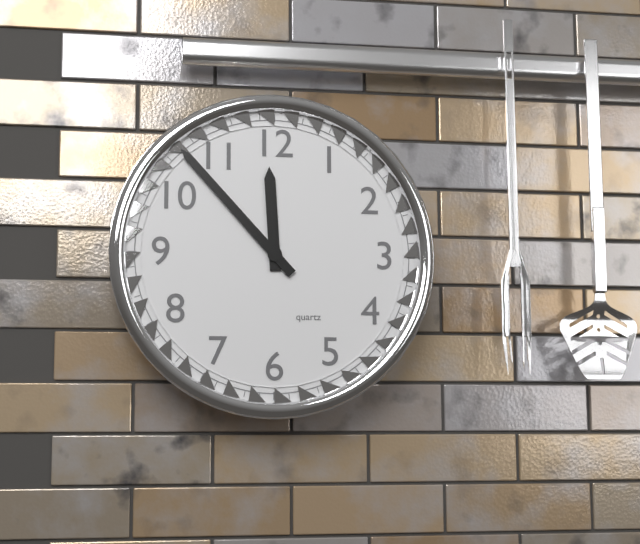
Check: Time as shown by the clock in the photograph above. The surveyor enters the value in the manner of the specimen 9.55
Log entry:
11.53
